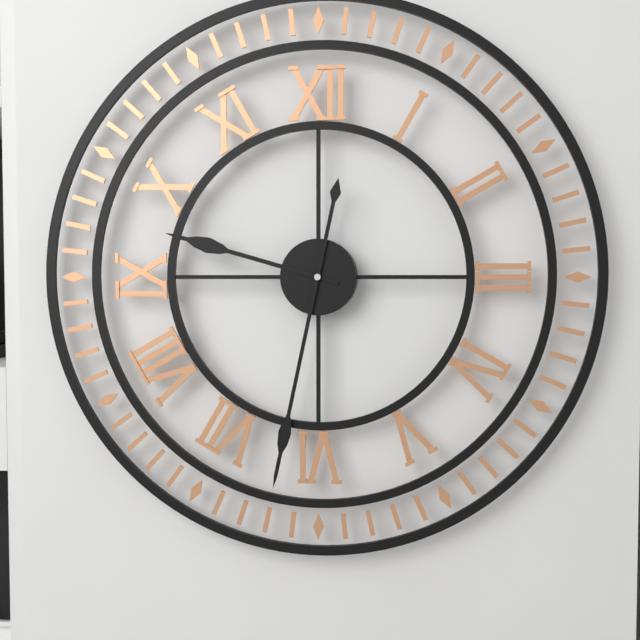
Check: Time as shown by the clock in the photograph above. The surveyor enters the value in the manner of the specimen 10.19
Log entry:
9.32
